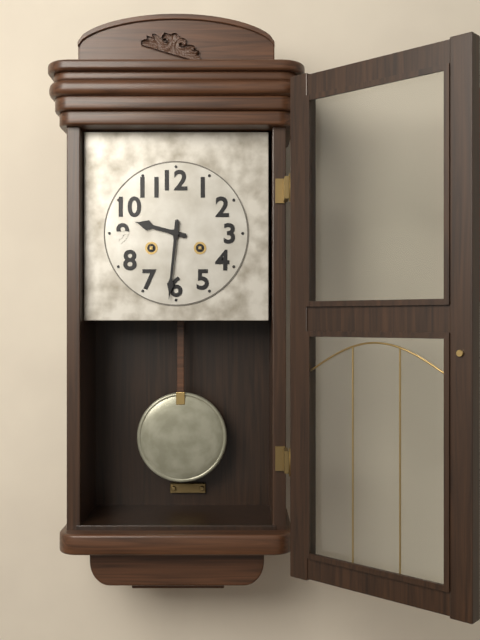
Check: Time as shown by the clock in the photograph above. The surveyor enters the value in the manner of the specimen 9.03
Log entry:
9.31
